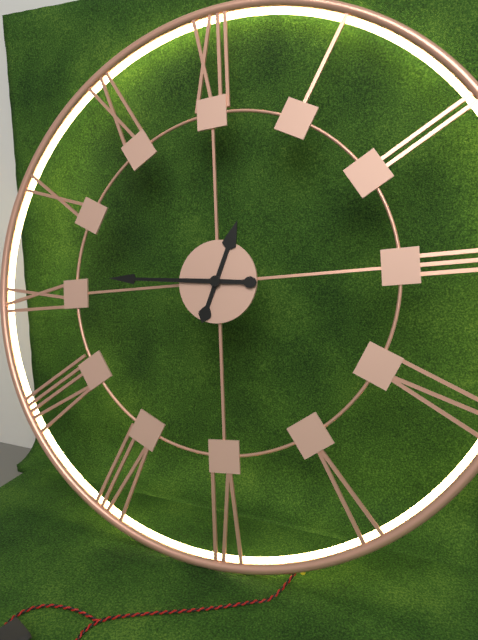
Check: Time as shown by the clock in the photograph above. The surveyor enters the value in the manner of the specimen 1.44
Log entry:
12.46
